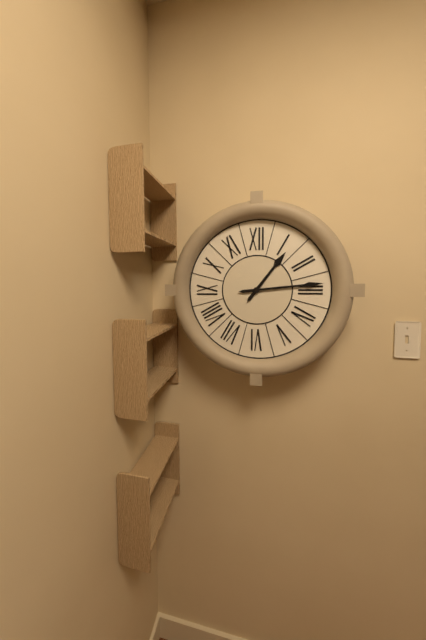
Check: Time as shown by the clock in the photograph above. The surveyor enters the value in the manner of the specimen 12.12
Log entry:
1.14
